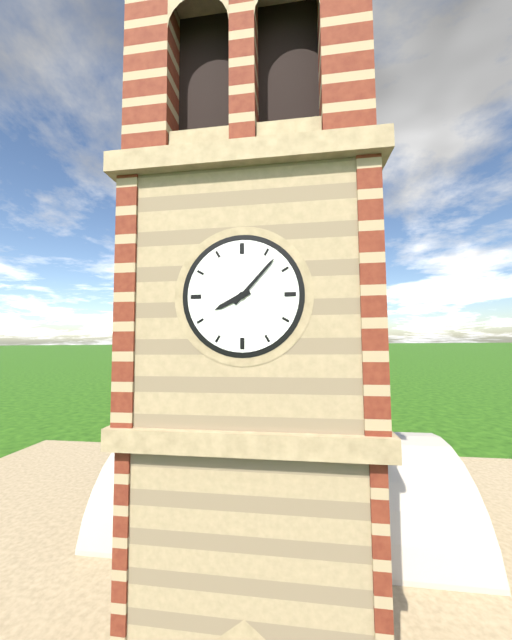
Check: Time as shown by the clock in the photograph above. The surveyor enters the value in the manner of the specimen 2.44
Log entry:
8.07
